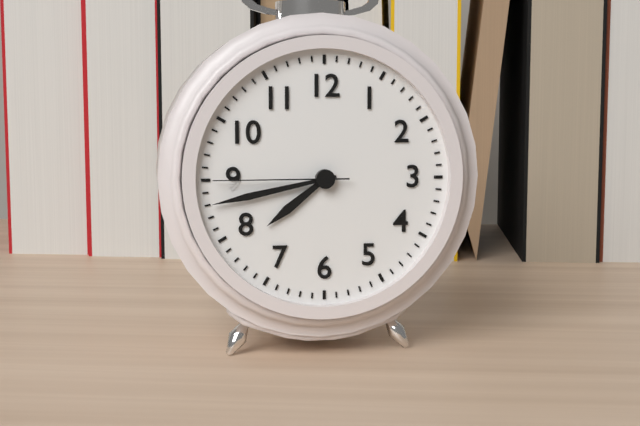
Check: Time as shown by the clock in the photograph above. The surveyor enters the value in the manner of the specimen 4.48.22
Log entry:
7.43.45
